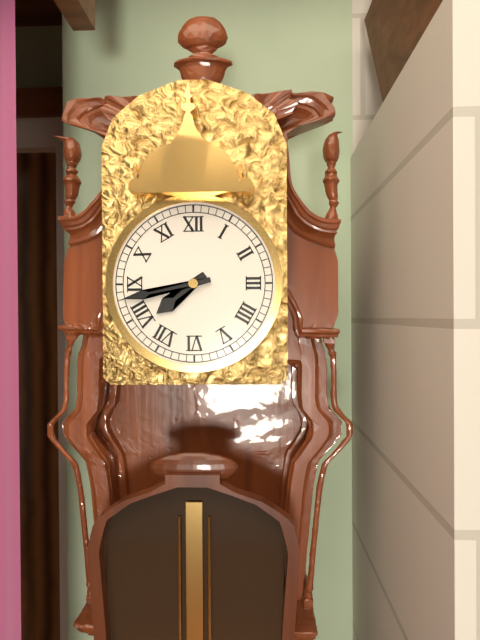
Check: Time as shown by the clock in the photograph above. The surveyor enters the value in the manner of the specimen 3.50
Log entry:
7.43
